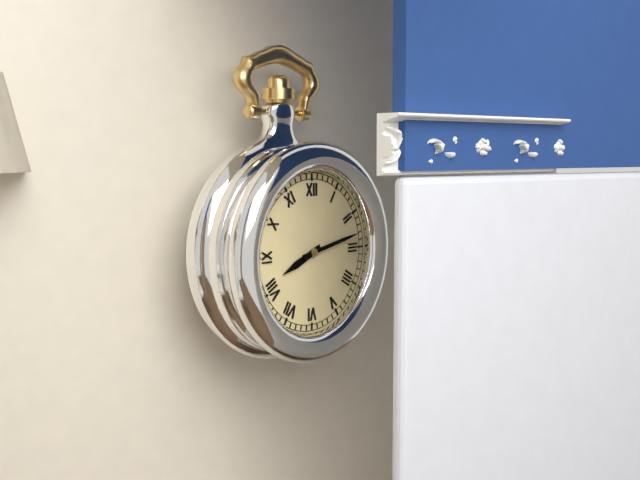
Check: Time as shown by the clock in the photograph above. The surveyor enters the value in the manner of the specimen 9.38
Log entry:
8.13
